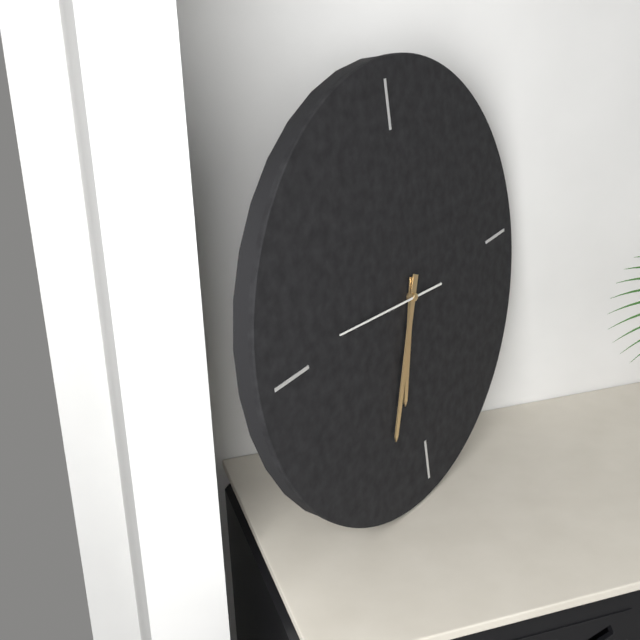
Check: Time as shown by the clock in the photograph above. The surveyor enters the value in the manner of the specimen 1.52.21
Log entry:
6.34.46
